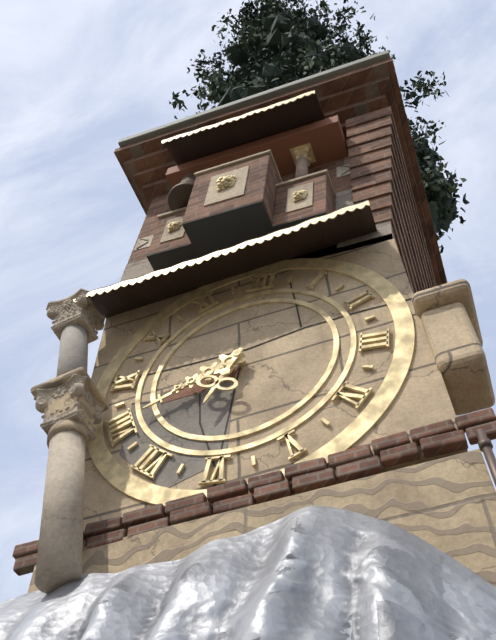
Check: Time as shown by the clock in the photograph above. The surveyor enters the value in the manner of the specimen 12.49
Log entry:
6.40
